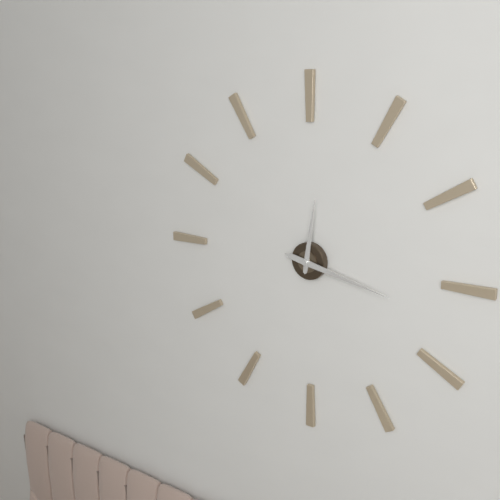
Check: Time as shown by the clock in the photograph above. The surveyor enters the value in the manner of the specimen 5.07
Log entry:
12.17
